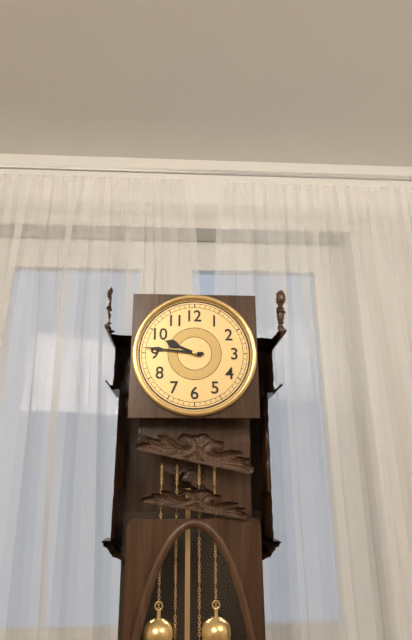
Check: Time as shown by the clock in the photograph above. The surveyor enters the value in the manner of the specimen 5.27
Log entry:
9.46
